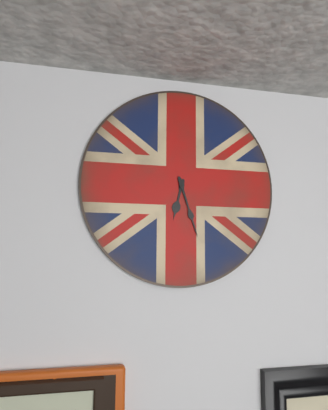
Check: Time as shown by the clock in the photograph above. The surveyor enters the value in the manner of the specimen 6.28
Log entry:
6.27
